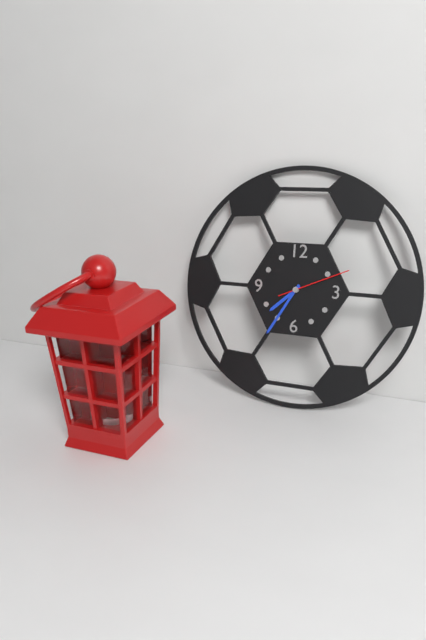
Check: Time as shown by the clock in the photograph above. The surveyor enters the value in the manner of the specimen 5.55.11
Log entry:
7.35.11
